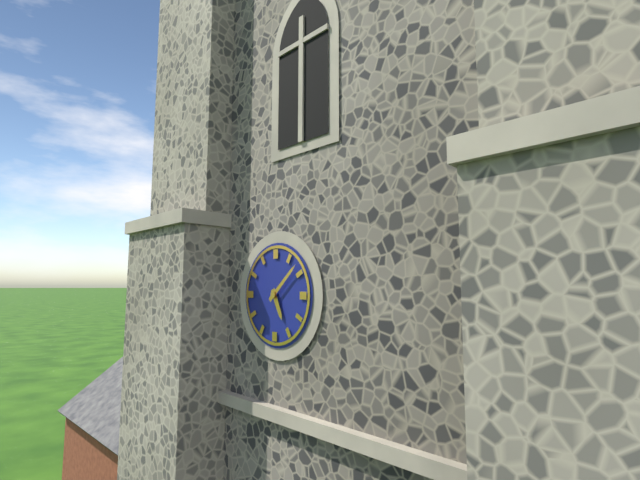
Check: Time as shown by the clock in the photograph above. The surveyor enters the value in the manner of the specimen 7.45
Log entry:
5.08
